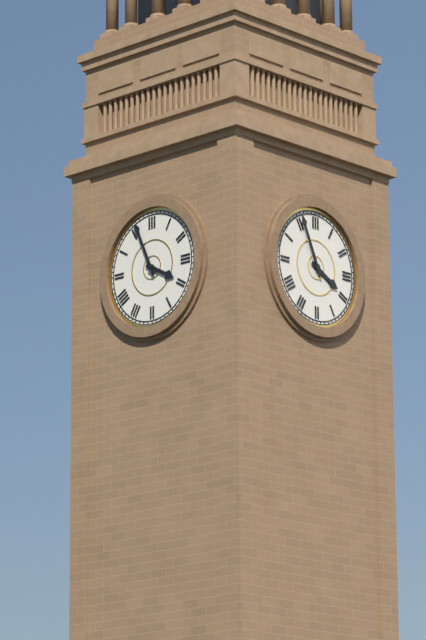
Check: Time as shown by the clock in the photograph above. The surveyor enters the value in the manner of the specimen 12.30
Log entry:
3.56
